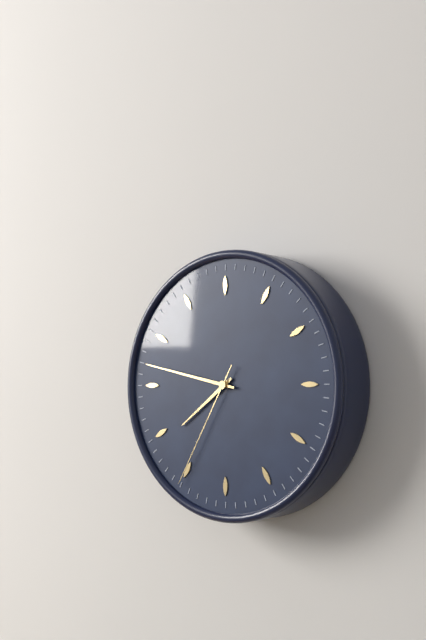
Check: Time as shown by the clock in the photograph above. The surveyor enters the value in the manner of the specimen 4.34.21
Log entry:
7.47.35
